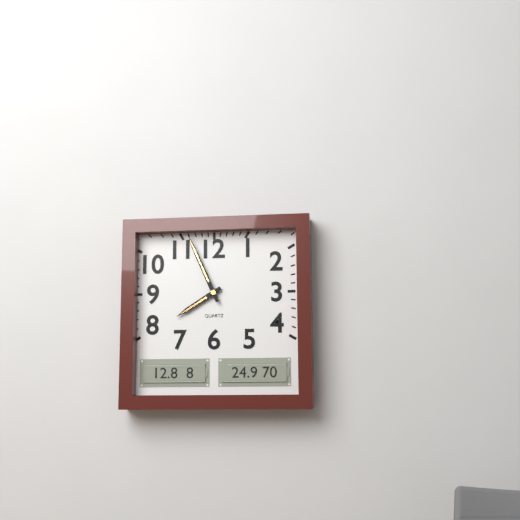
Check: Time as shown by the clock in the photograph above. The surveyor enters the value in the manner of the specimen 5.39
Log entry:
7.56
